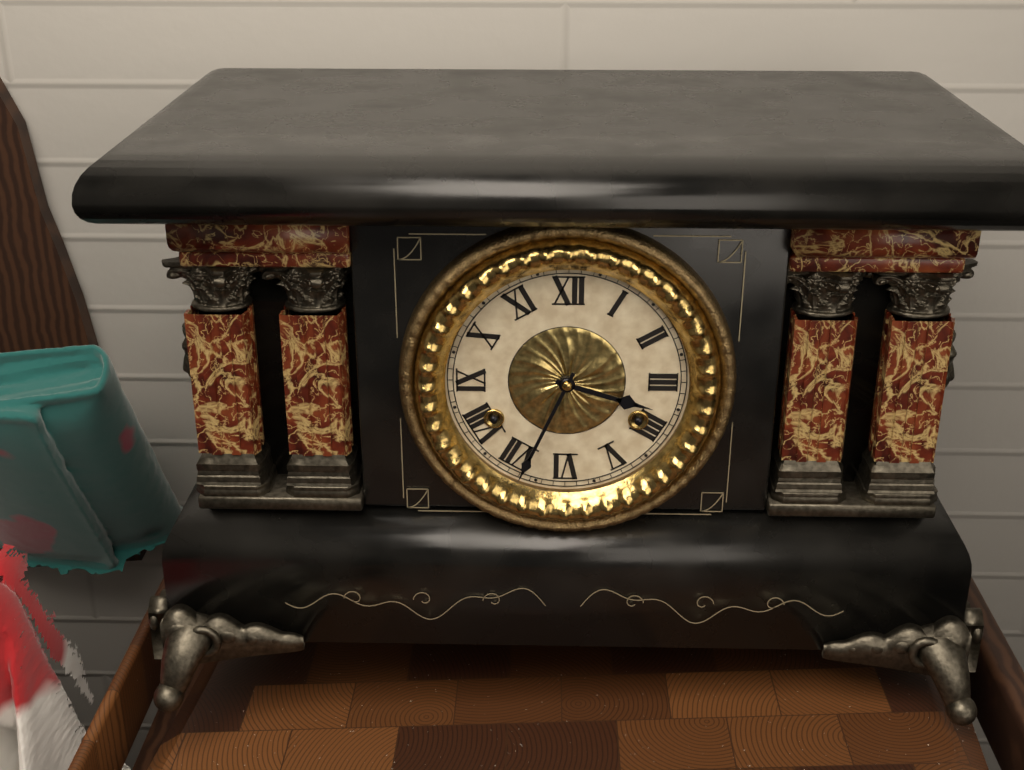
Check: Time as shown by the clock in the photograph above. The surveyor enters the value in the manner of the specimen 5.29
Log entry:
3.34
